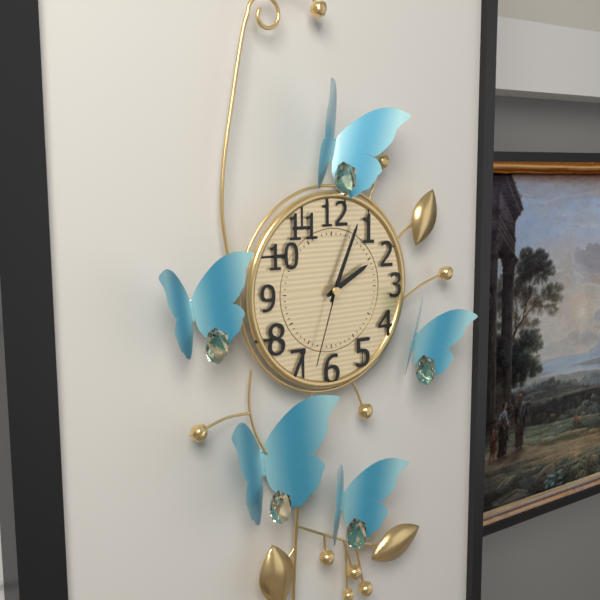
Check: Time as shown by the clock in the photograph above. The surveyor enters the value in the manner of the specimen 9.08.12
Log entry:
2.04.33
